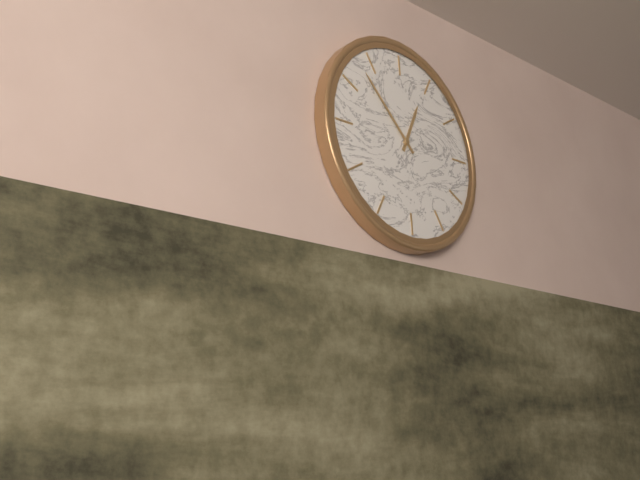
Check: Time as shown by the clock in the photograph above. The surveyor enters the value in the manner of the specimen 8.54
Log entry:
12.53
